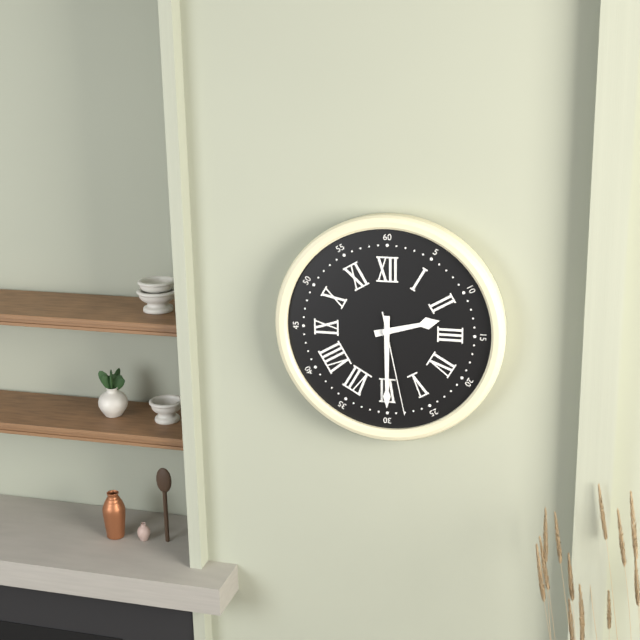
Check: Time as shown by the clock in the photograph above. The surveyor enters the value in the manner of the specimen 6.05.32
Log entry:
2.30.28
